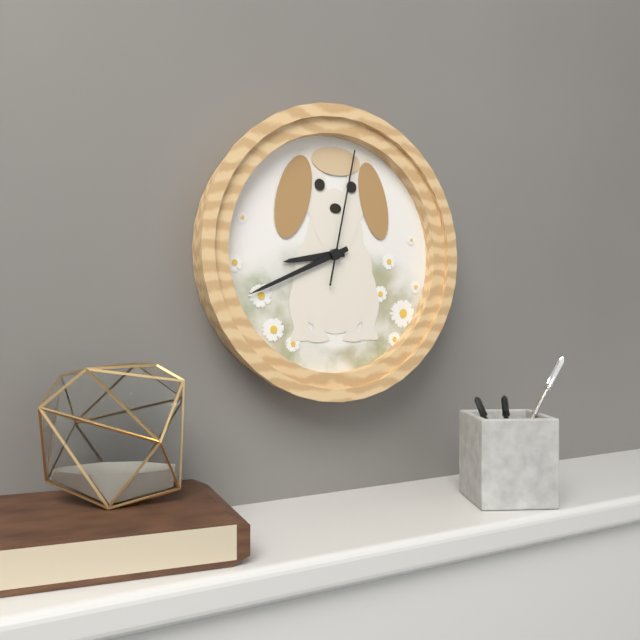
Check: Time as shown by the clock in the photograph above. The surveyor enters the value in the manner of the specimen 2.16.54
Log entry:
8.41.02
